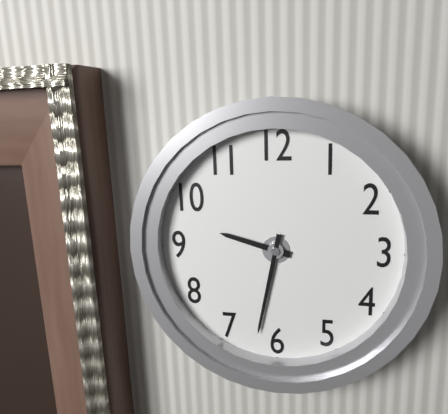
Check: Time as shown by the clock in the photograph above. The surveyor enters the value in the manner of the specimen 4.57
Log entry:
9.32
